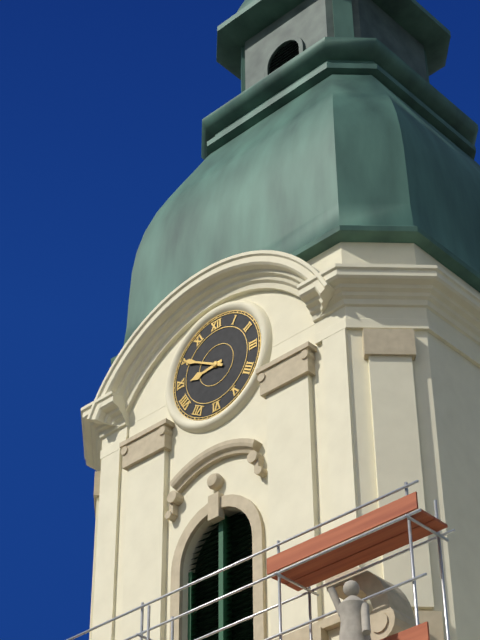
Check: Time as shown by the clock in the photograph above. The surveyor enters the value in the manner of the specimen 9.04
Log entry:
8.50
